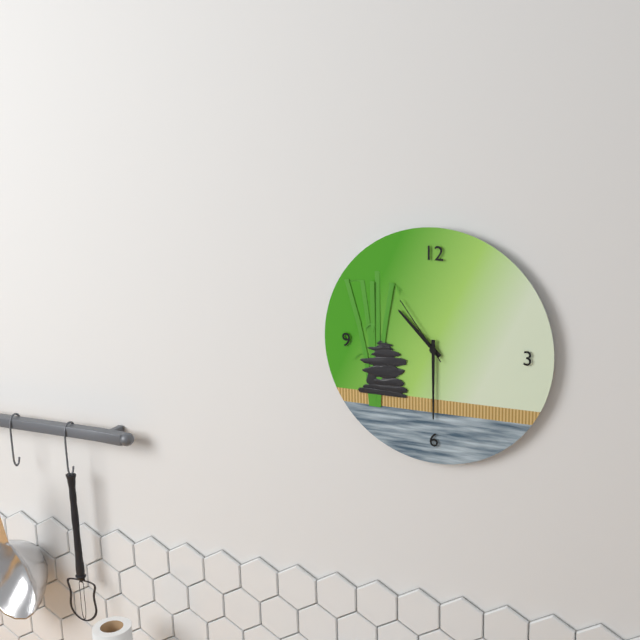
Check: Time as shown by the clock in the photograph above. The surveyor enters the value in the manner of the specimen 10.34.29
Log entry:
10.30.54
